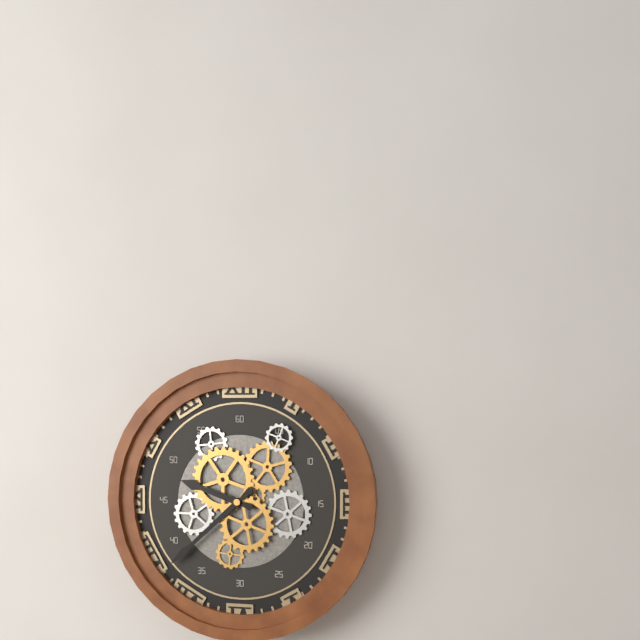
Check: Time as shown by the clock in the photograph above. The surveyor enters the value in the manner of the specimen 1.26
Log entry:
9.38
